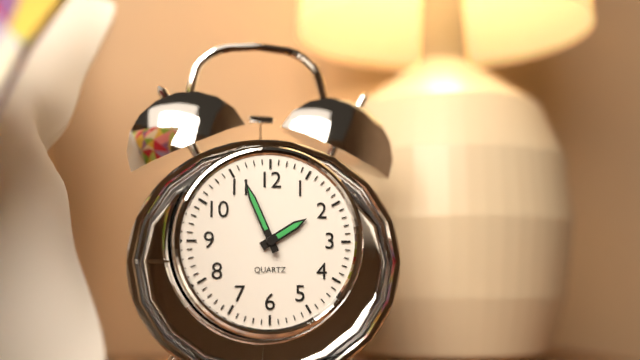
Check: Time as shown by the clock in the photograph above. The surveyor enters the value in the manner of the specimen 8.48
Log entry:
1.56
